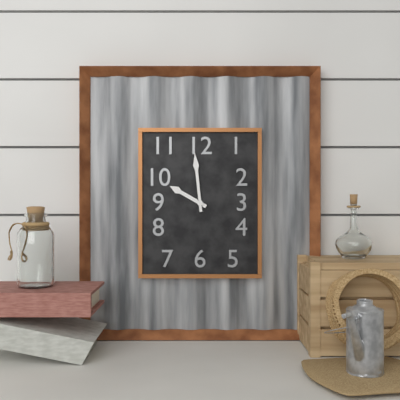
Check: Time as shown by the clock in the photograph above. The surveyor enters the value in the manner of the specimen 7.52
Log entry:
9.59
